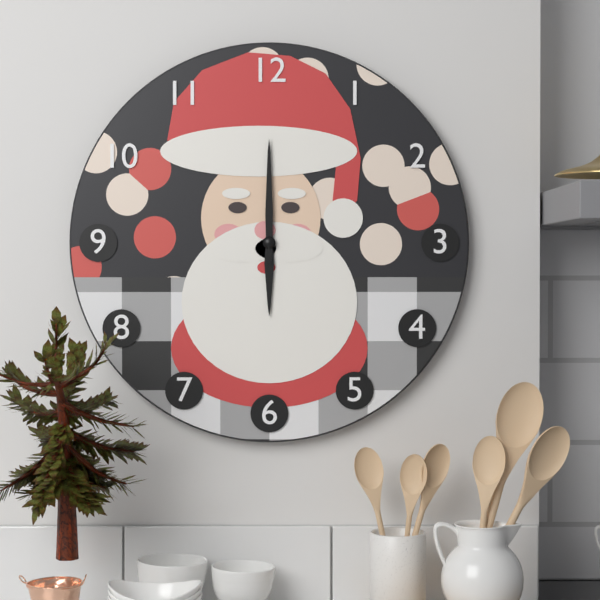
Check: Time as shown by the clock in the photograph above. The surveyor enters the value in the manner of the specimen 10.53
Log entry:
6.00
